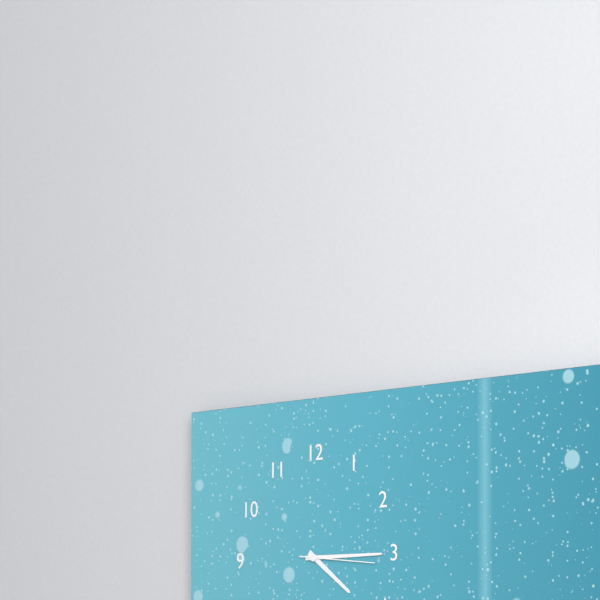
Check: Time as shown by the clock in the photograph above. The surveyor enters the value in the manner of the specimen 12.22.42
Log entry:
4.15.16
